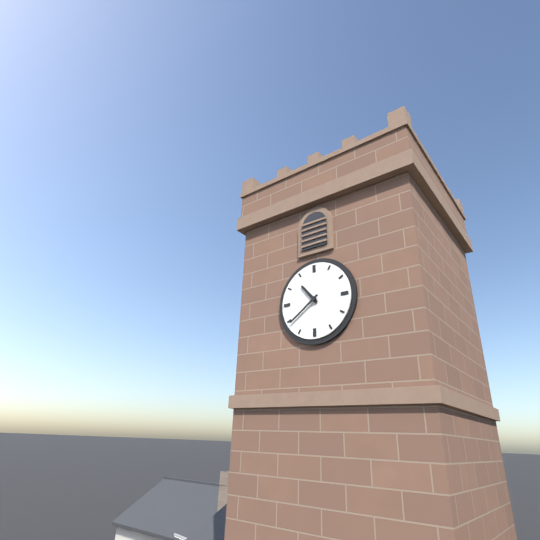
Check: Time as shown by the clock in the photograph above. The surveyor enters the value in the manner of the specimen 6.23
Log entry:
10.39
